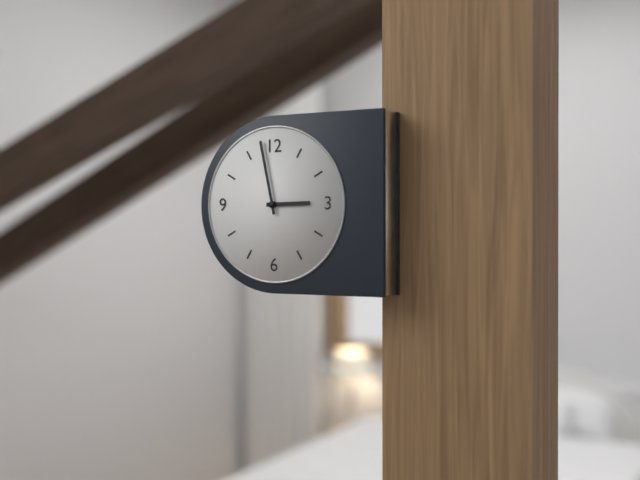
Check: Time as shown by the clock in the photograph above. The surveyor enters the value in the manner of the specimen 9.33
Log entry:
2.58
